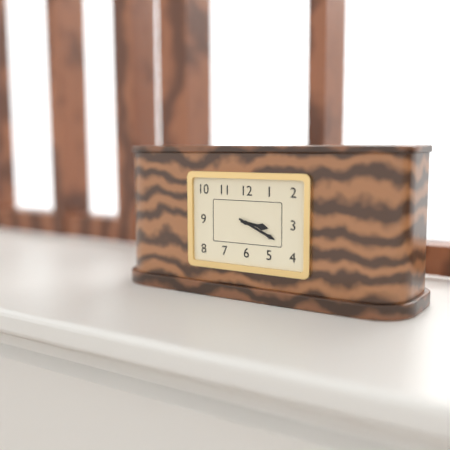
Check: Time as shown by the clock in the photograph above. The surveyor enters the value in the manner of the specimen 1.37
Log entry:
3.19
